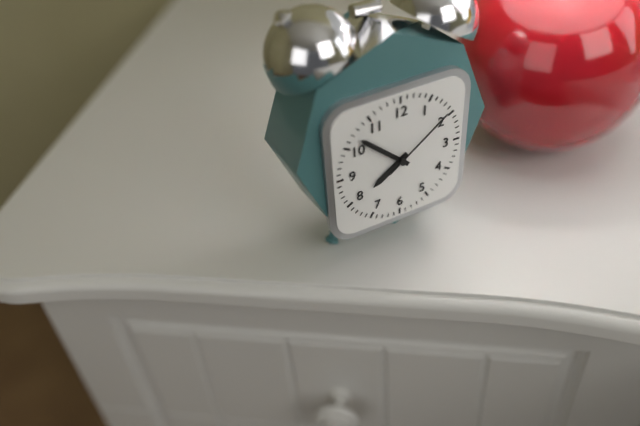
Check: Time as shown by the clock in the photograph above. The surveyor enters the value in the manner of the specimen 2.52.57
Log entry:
7.52.09
